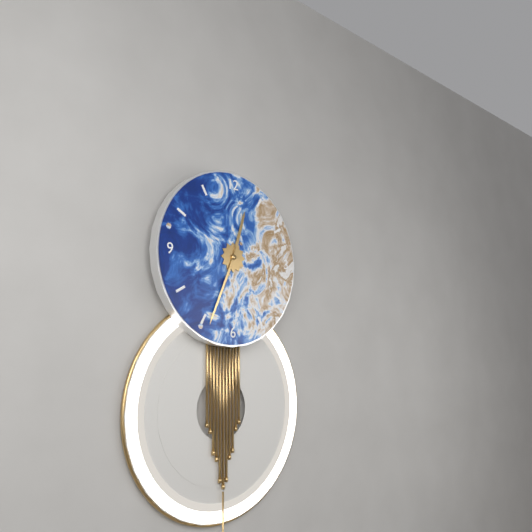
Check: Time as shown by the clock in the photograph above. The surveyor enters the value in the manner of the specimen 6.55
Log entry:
12.34
